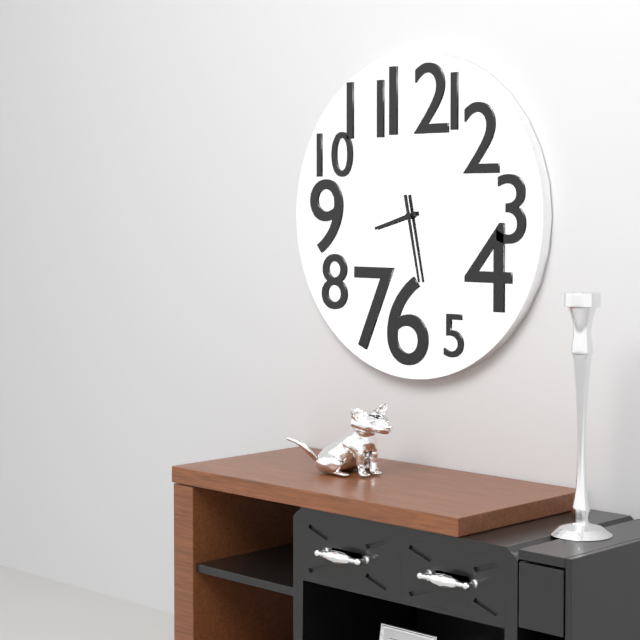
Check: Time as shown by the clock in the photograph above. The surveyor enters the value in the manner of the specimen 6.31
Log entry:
8.28
